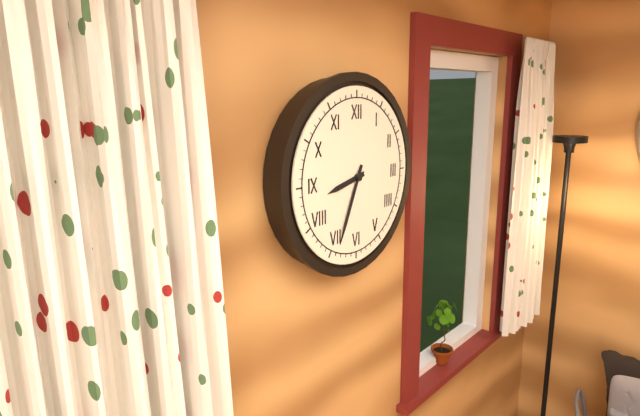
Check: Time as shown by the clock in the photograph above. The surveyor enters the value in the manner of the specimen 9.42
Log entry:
8.34
